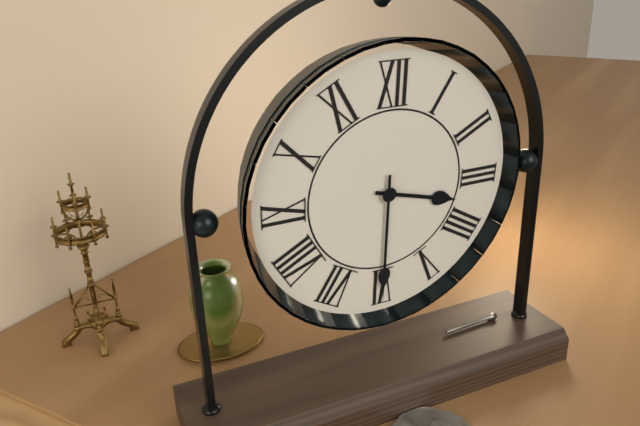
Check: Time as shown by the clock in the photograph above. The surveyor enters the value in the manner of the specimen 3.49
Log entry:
3.30
